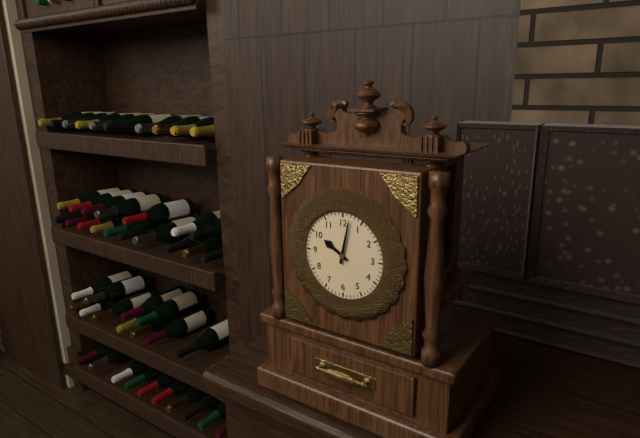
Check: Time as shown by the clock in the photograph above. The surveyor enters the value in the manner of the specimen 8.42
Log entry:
10.02
